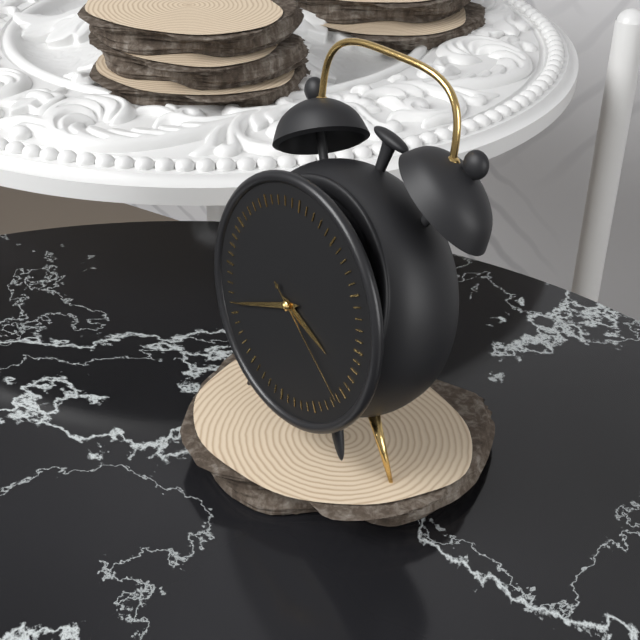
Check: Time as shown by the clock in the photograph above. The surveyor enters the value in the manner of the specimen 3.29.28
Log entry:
3.41.21
